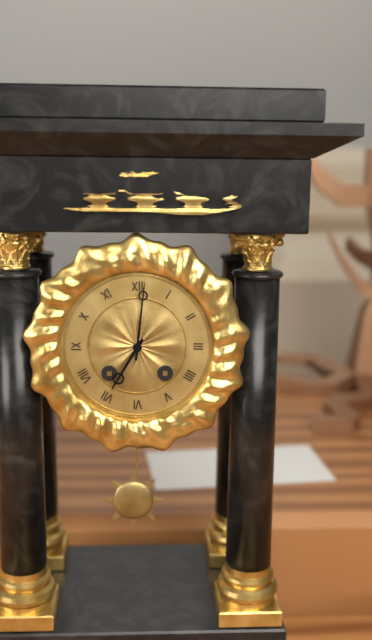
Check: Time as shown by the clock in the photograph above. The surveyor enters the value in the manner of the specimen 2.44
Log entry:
7.01
